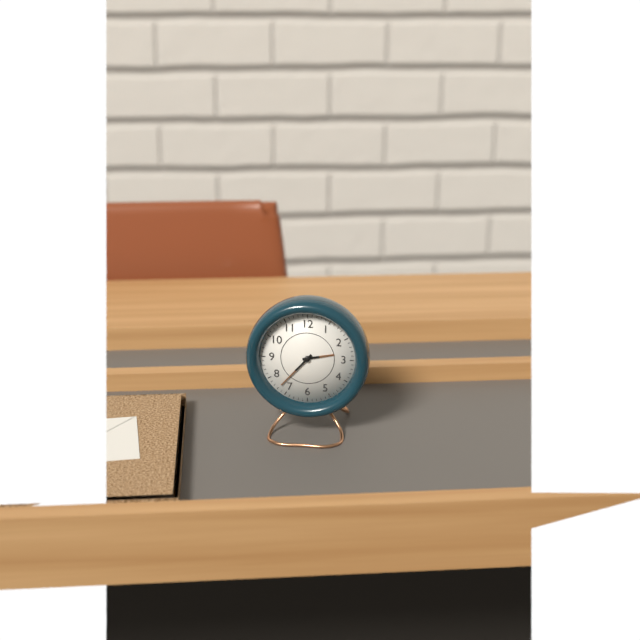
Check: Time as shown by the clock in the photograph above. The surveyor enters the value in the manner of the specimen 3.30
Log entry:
2.37
